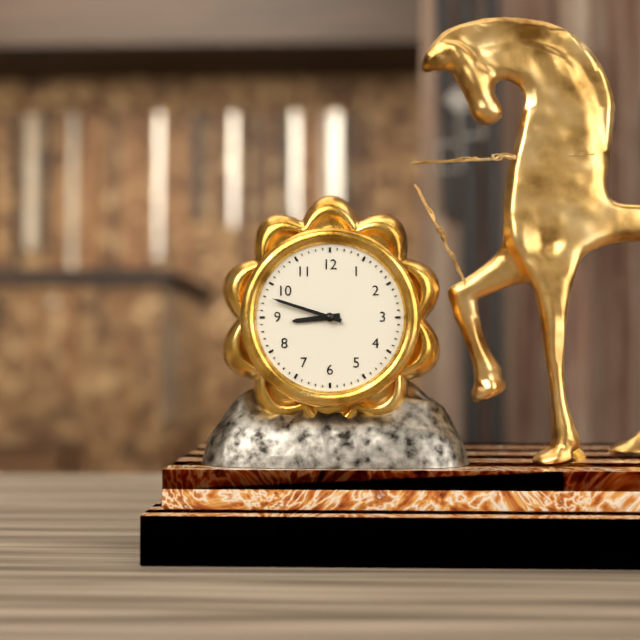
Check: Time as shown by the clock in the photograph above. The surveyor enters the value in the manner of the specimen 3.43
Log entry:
8.48
